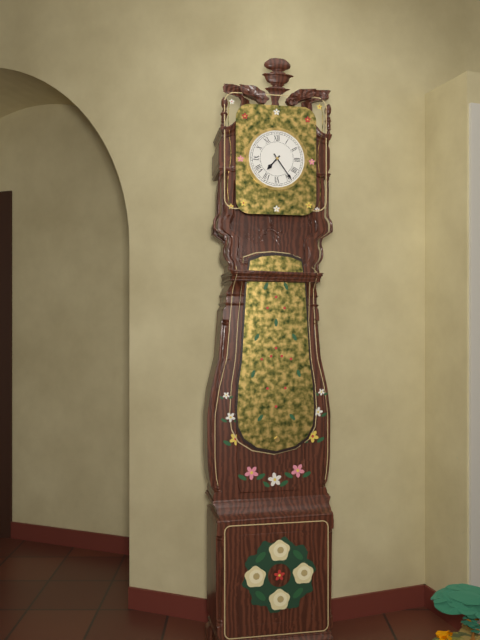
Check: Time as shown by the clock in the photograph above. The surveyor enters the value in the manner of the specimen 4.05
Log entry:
7.24
